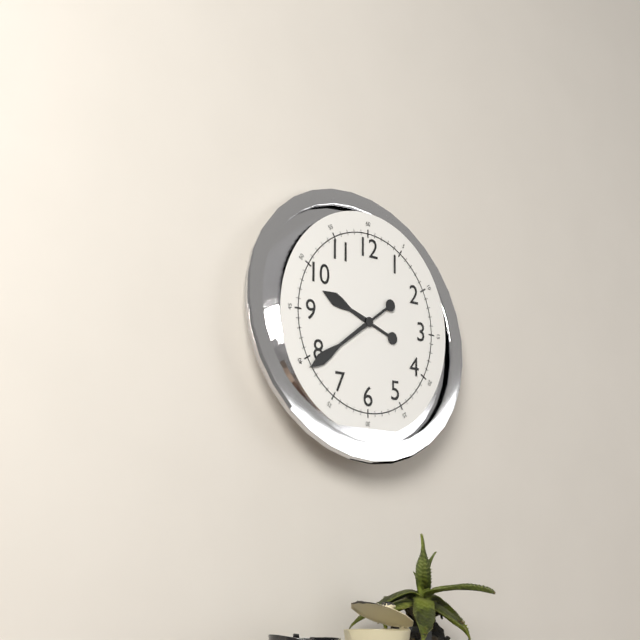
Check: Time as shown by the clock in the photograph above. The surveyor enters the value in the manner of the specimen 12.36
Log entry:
9.39
